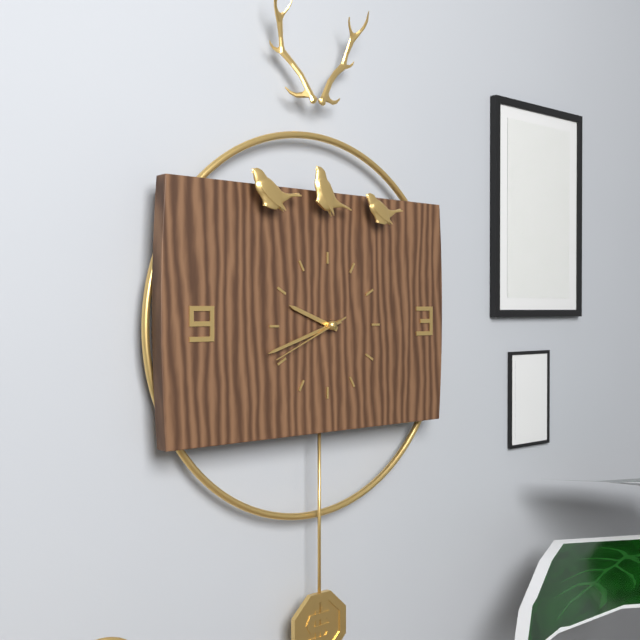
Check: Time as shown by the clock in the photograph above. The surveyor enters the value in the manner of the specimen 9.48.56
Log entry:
9.42.41
